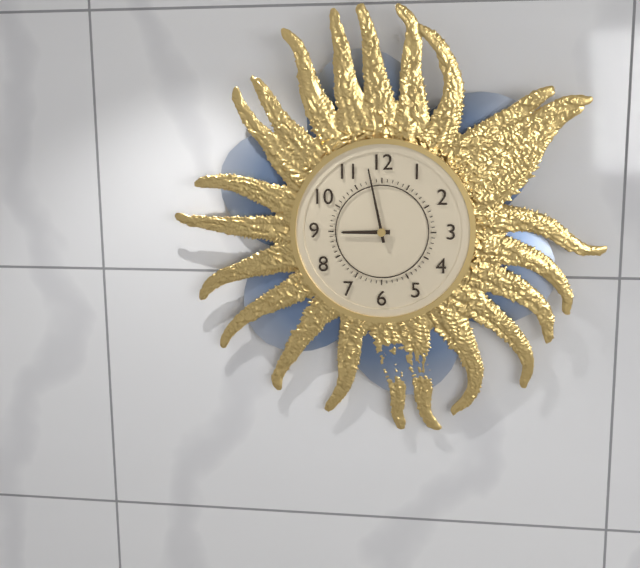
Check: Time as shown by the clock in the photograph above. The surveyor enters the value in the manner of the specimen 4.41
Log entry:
8.58
